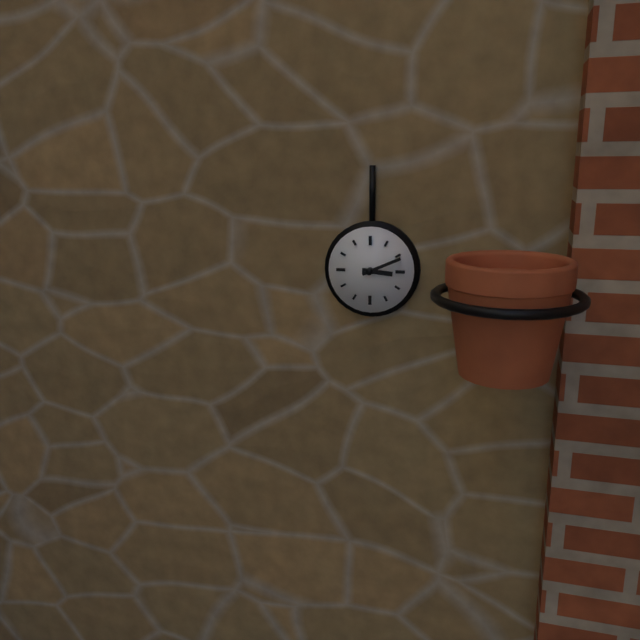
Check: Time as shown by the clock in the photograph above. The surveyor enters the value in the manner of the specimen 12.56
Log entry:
3.11
